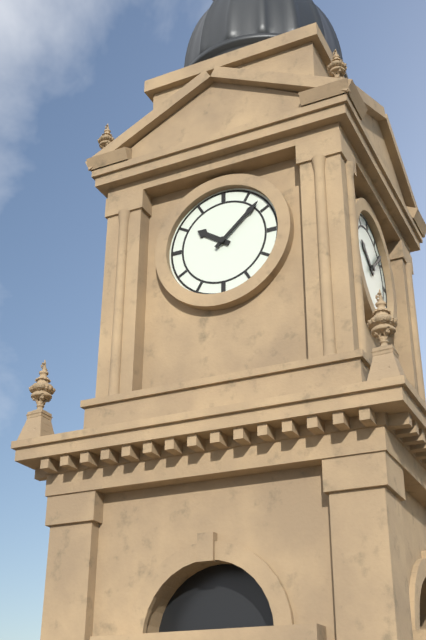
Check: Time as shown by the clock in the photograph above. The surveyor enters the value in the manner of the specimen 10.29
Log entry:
10.08
